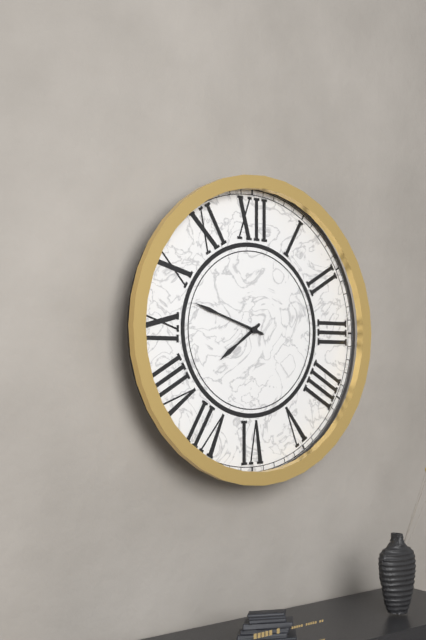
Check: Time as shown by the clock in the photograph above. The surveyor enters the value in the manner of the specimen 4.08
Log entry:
7.48
